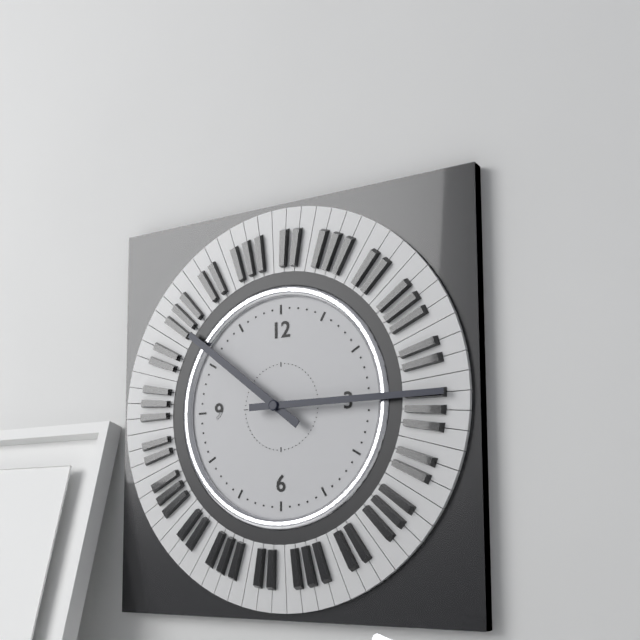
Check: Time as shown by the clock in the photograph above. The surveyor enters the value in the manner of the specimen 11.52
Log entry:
10.15
